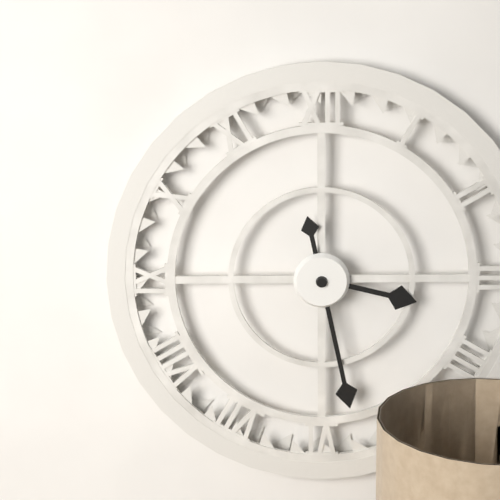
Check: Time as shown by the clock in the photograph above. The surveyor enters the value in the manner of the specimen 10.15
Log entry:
3.28
